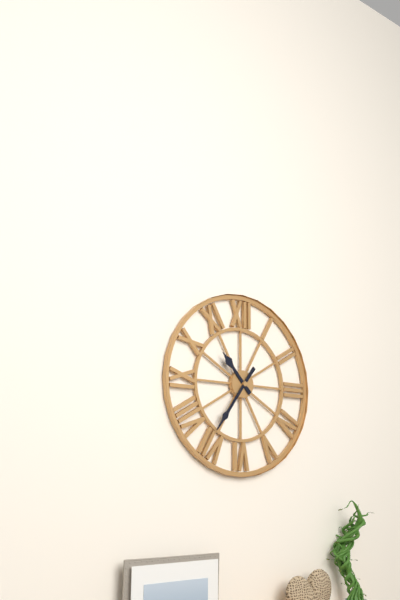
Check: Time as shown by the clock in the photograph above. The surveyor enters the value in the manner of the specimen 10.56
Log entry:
10.36
